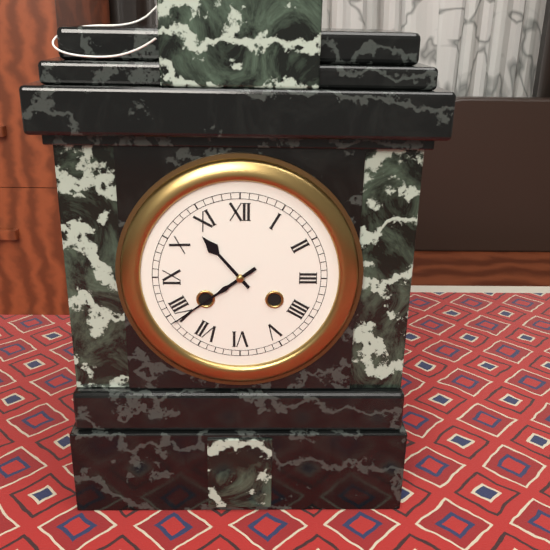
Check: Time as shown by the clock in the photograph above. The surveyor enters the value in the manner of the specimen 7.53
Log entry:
10.39
